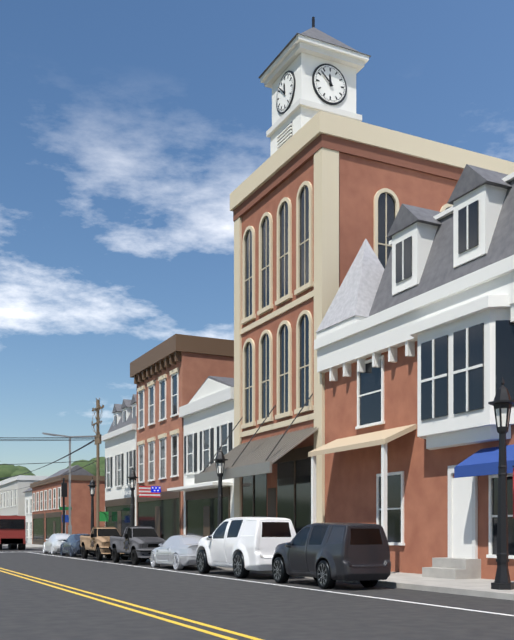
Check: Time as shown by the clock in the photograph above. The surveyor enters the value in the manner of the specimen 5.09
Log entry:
11.52
